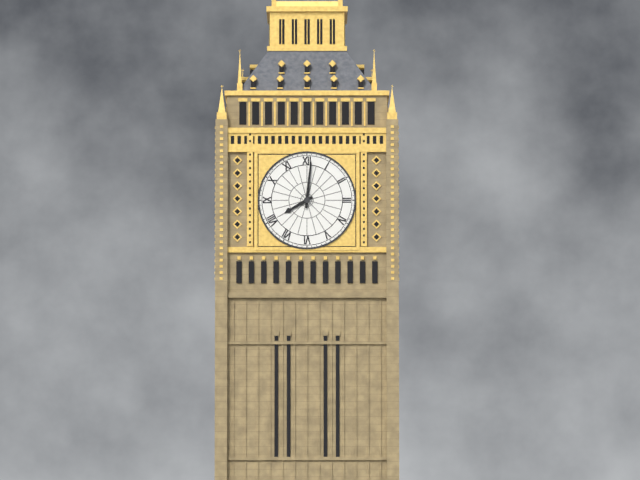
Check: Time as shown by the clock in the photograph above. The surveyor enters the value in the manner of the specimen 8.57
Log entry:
8.01
